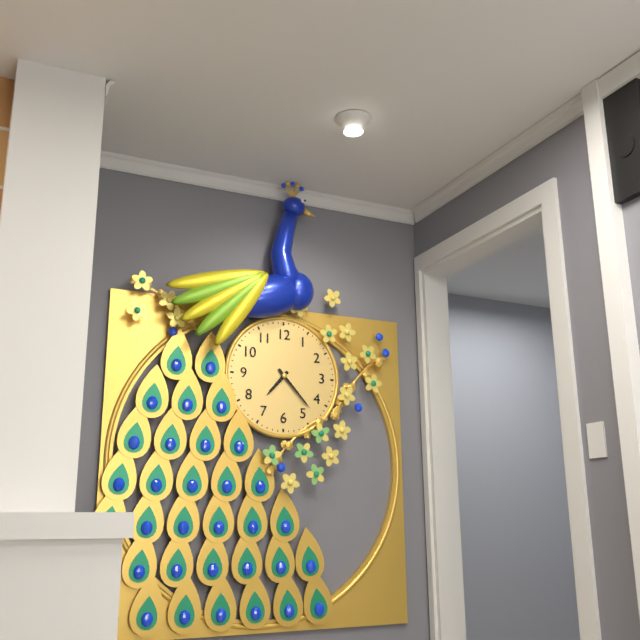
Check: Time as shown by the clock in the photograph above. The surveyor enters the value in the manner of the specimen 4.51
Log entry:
7.23
